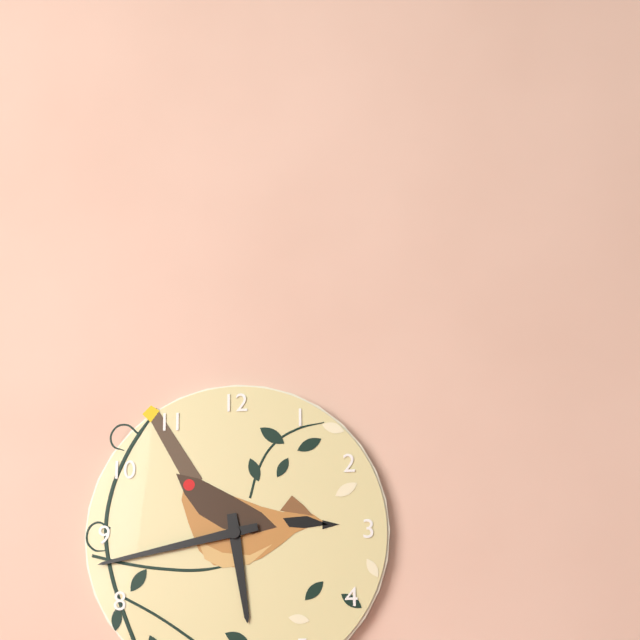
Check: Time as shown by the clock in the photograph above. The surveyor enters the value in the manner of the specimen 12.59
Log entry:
5.43
